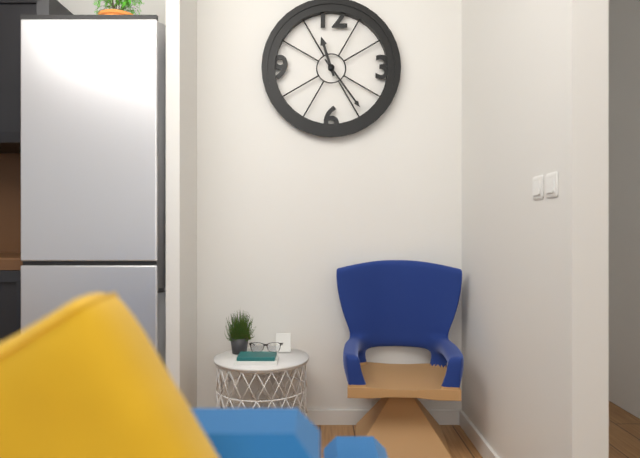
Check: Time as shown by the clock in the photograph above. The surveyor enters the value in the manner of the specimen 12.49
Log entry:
11.24
